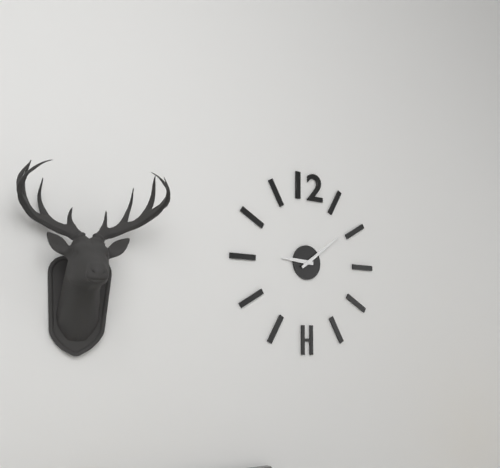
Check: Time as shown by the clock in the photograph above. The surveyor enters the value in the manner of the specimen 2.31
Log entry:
9.09
